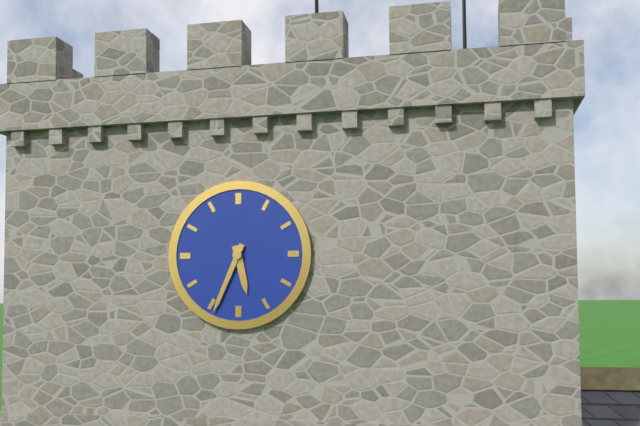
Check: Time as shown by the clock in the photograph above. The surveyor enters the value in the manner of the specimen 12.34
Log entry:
5.34
